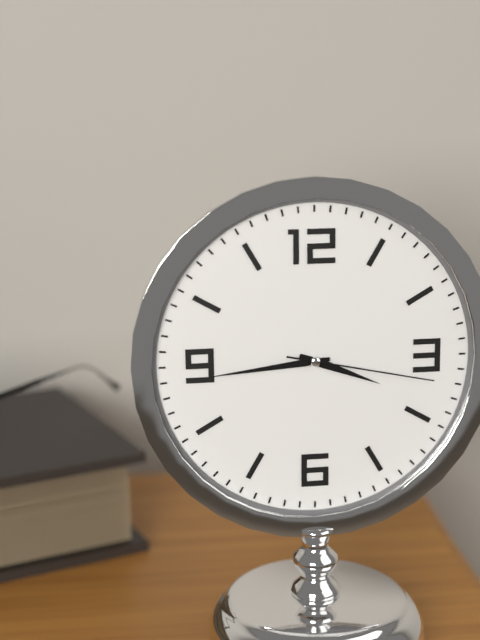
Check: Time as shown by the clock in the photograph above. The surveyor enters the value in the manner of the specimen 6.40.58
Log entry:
3.44.17
